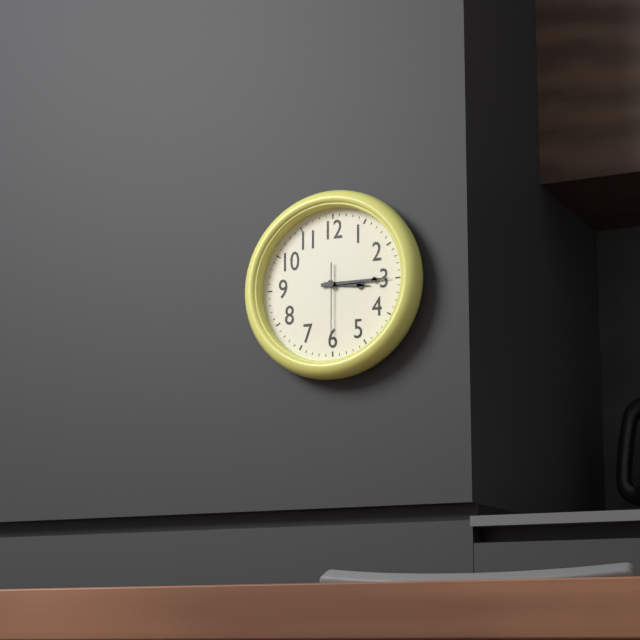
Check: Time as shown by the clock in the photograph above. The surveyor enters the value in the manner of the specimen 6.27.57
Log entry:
3.15.30
